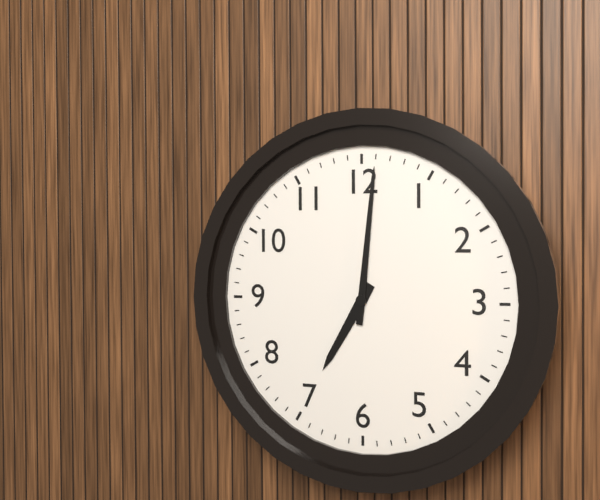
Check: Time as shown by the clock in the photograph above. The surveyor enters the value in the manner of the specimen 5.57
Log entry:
7.01
